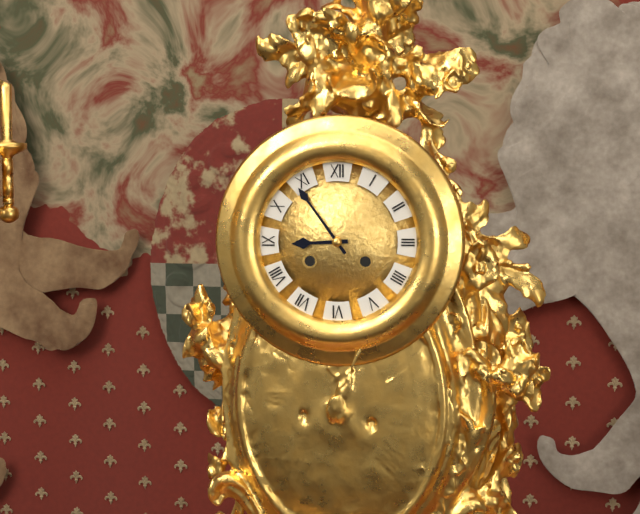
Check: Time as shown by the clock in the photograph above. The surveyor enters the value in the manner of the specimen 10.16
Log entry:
8.54
